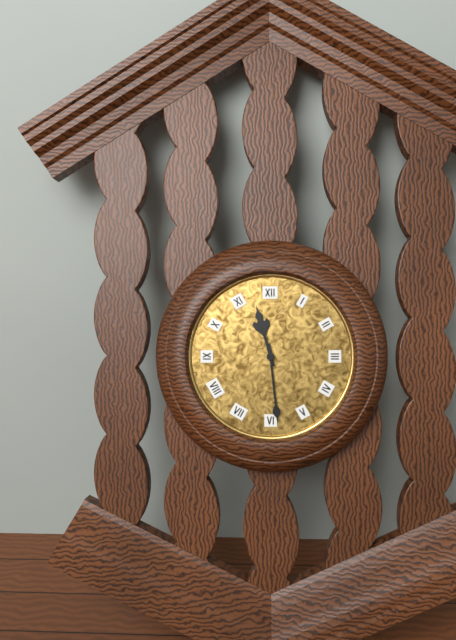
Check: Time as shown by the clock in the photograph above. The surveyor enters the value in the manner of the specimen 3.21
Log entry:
11.29
